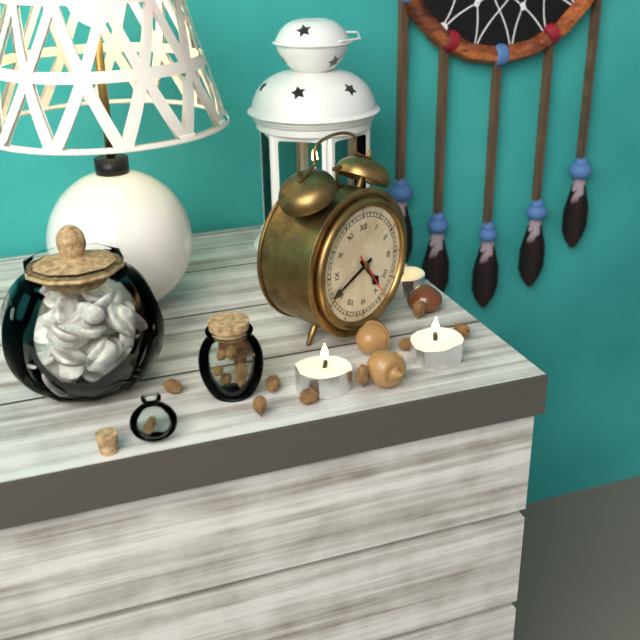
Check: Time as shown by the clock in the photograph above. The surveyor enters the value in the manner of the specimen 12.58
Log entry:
4.41
